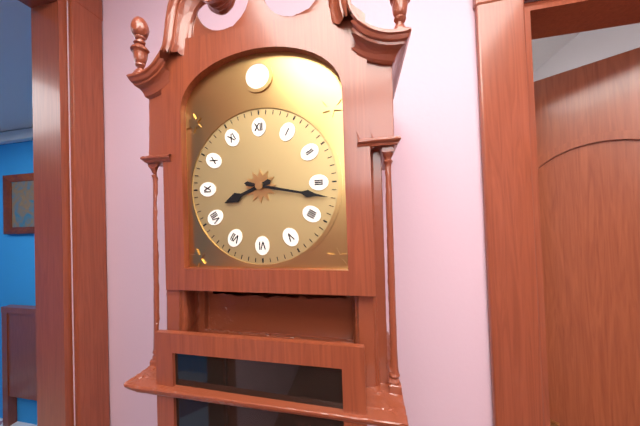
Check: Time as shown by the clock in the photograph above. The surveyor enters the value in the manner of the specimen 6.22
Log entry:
8.17
